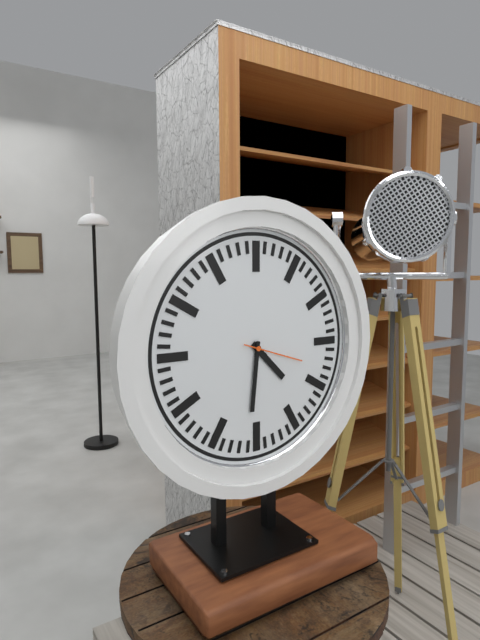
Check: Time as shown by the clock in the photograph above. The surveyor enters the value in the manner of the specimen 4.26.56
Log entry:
4.31.18
